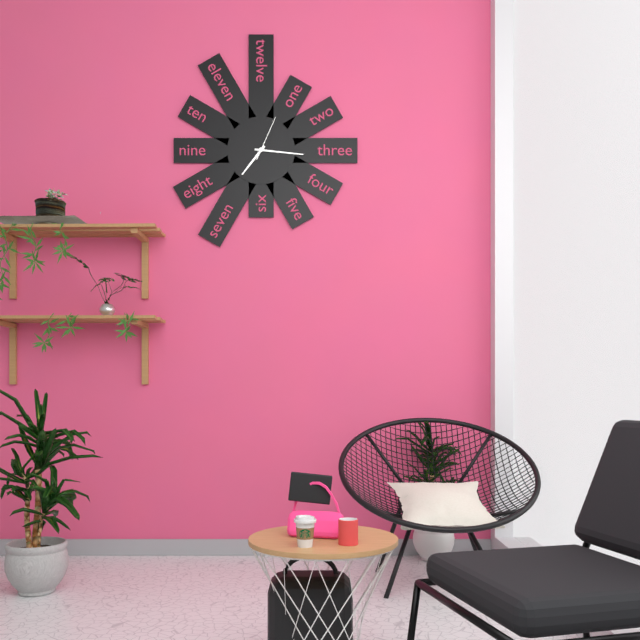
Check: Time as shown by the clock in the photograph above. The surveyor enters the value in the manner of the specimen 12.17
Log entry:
7.16
